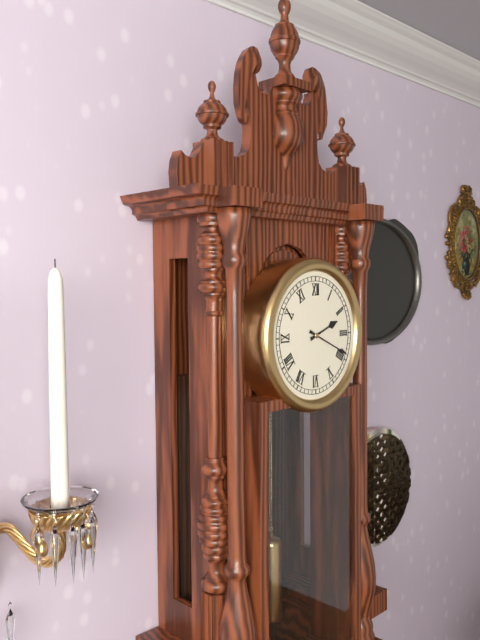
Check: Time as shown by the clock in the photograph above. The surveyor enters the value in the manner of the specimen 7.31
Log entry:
2.19
